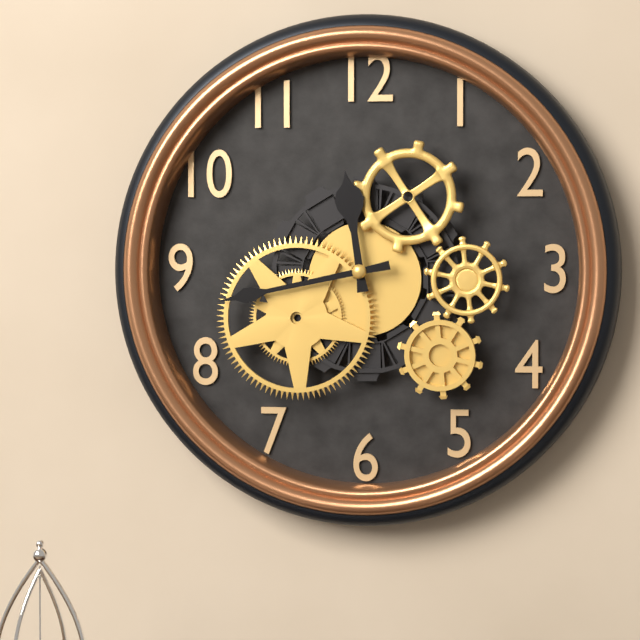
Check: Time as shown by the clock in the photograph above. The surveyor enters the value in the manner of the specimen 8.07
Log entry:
11.43
